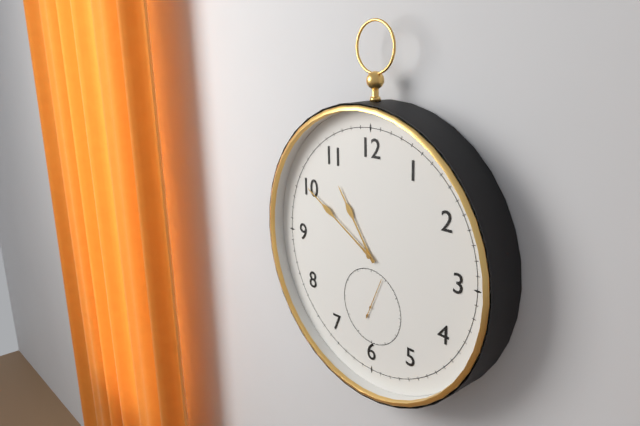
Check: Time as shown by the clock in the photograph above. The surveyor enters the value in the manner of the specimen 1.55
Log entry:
10.50
